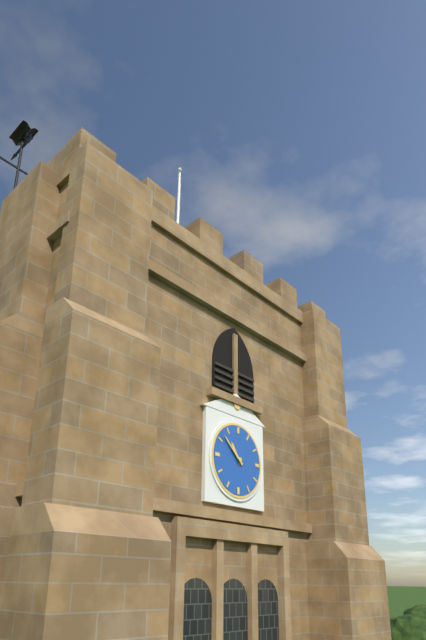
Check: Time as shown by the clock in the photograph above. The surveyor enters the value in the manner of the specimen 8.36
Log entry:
10.52
